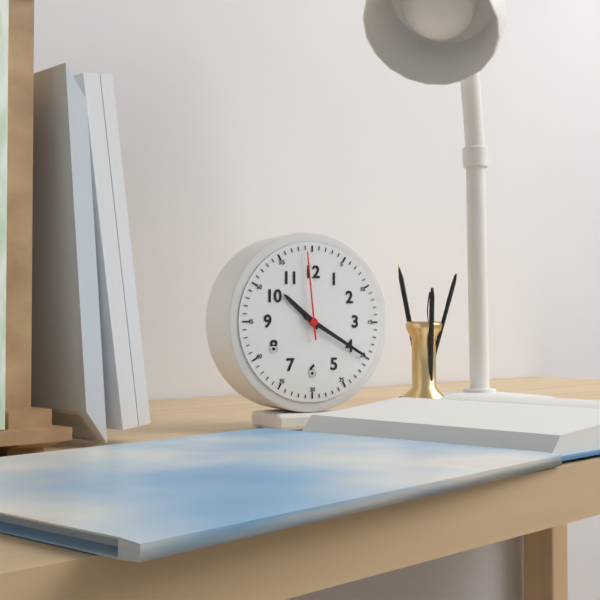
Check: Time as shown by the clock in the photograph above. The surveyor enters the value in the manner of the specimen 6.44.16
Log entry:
10.20.59
